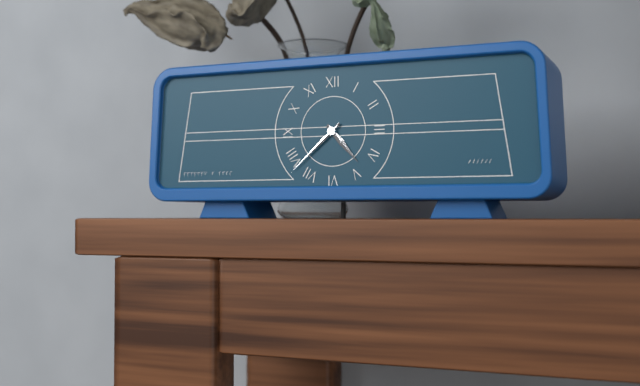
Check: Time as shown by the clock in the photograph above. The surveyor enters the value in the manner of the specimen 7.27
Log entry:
4.38
